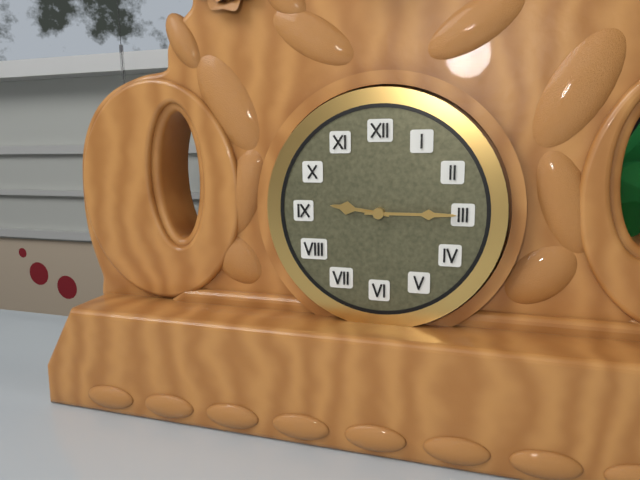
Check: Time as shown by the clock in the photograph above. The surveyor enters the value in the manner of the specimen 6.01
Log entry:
9.15
